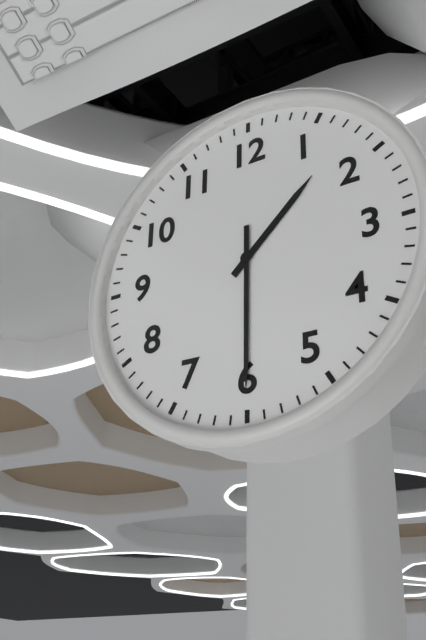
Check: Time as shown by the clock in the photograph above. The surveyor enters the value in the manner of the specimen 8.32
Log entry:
1.30
